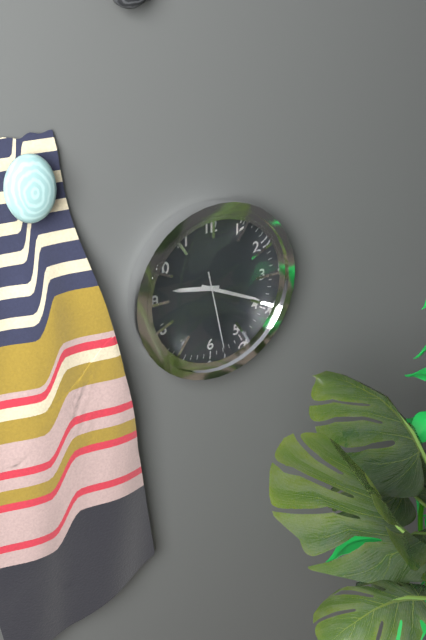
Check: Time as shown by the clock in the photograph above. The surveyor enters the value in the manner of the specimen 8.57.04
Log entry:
9.19.28
